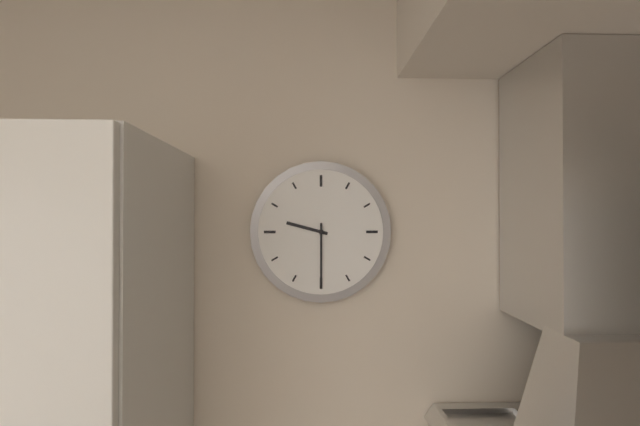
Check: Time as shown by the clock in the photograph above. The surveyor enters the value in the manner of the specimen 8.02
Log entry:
9.30
